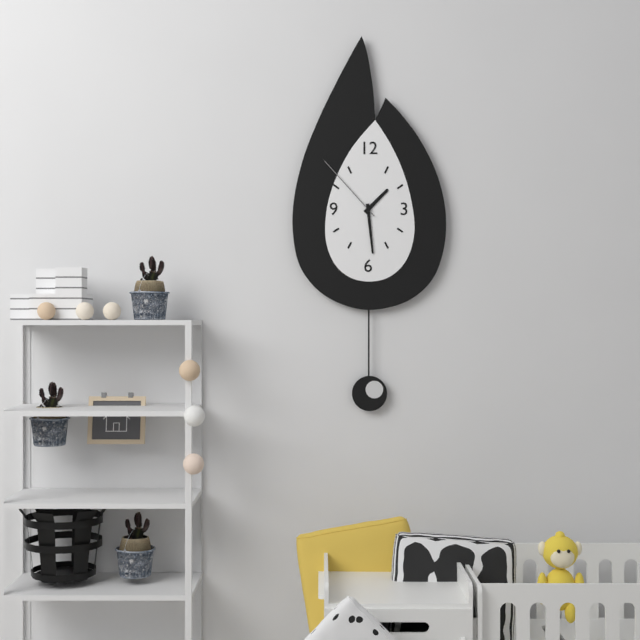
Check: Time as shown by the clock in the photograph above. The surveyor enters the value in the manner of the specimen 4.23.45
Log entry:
1.29.53
